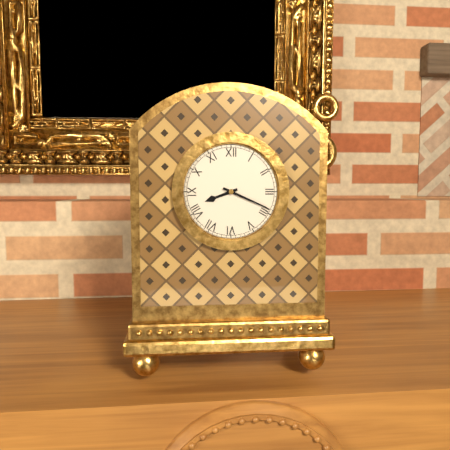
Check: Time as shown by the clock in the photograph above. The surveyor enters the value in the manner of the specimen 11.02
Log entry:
8.19
